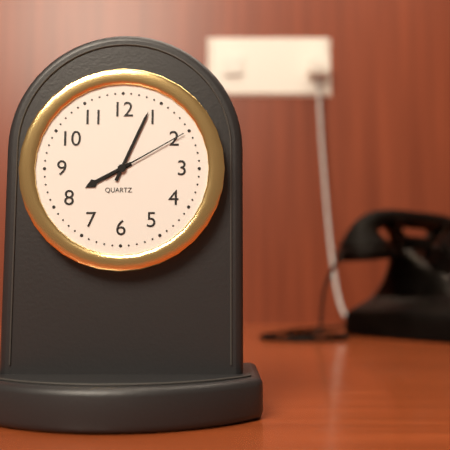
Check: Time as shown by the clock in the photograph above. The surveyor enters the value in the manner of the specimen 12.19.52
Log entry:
8.04.10
